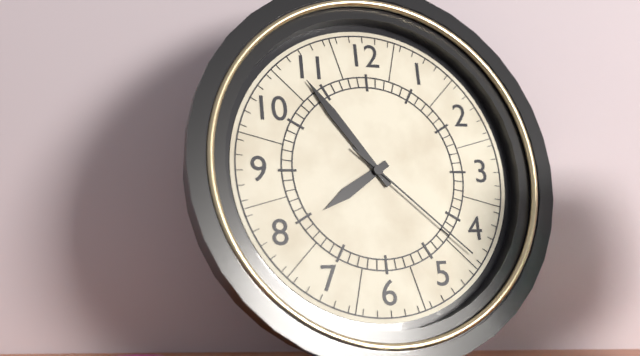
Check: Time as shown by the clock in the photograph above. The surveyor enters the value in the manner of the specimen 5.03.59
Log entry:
7.54.22
